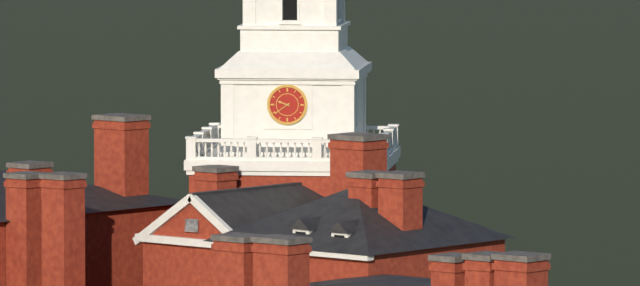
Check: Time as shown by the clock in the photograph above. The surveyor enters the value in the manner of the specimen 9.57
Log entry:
9.39
